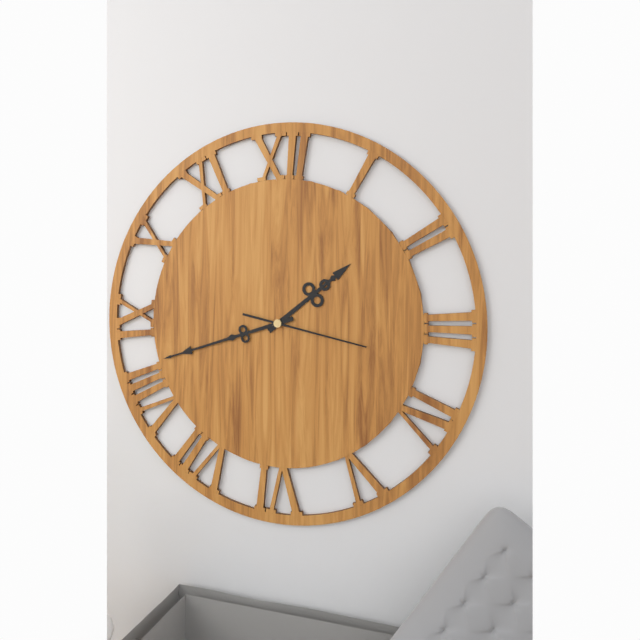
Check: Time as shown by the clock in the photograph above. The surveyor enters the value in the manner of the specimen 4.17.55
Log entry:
1.42.17
